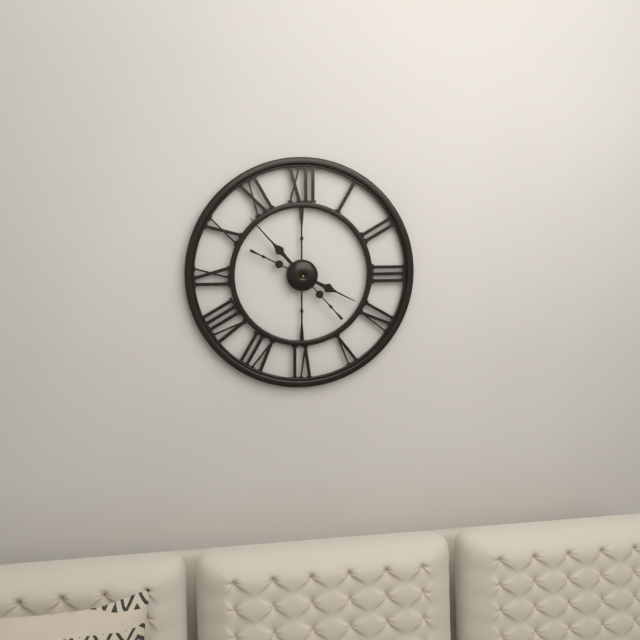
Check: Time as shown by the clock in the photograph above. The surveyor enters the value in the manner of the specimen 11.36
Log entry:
3.53
